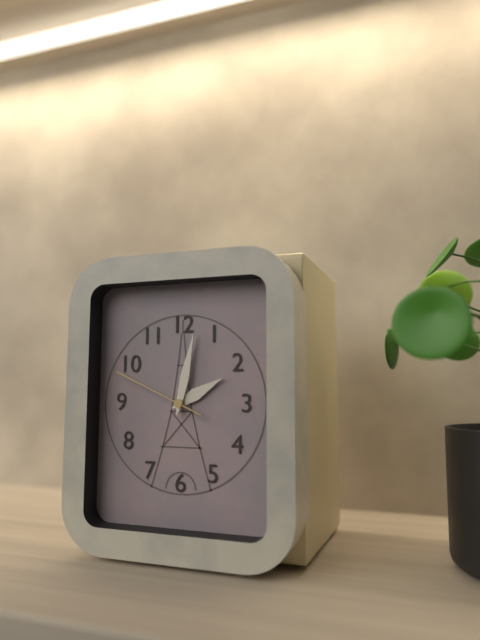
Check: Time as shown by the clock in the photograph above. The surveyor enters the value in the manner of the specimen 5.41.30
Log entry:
2.02.49
